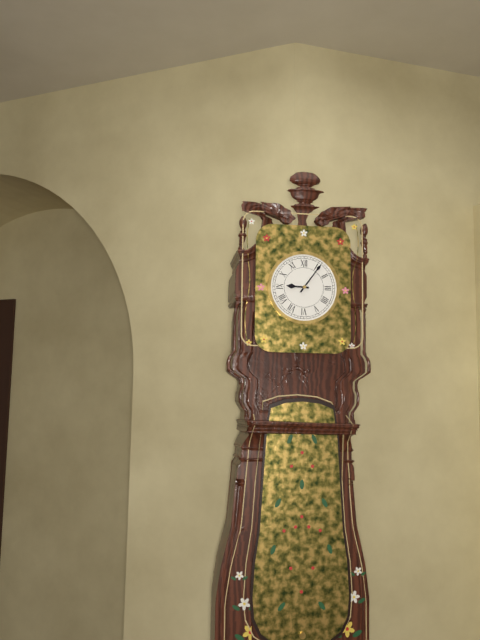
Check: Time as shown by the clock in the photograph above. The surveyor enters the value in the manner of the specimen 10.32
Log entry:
9.06
